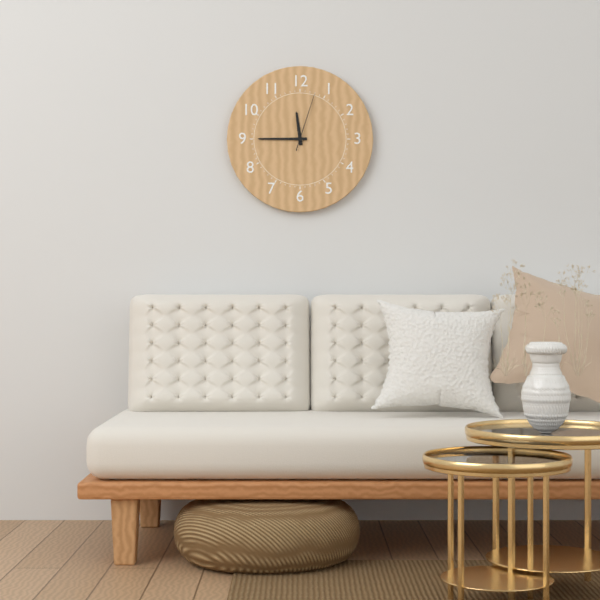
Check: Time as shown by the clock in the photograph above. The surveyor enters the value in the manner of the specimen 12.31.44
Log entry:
11.45.03
